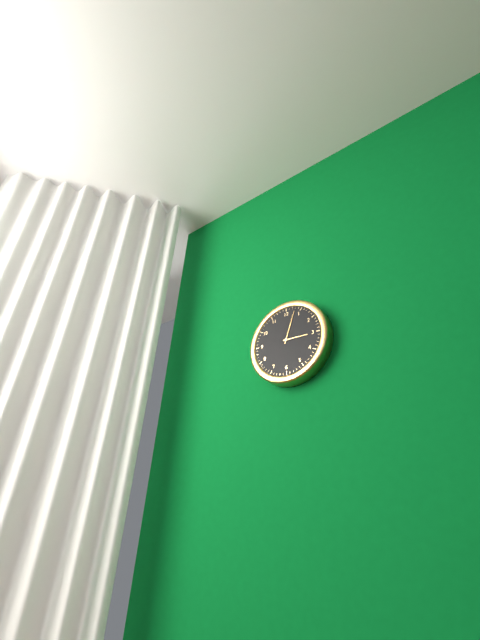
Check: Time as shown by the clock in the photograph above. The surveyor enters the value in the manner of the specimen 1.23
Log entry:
3.03
